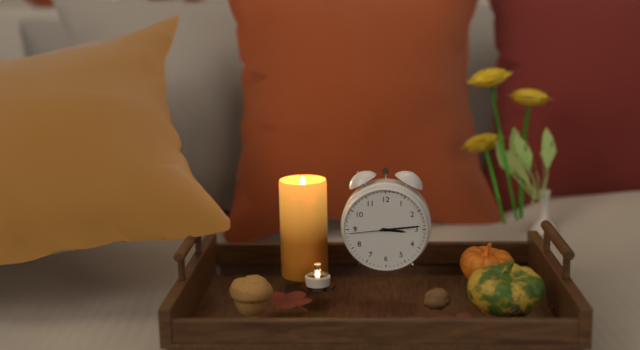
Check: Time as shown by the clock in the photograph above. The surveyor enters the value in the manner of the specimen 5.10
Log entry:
3.14
